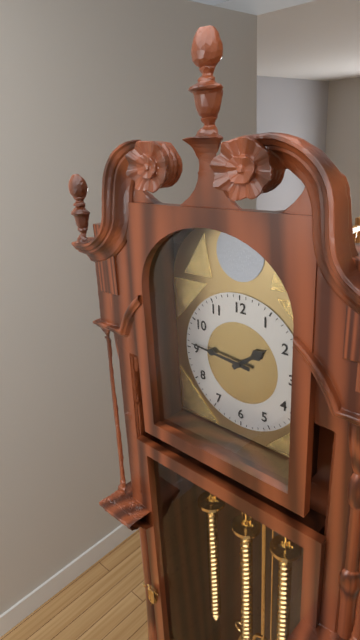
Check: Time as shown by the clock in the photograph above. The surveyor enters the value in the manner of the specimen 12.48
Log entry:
1.46
